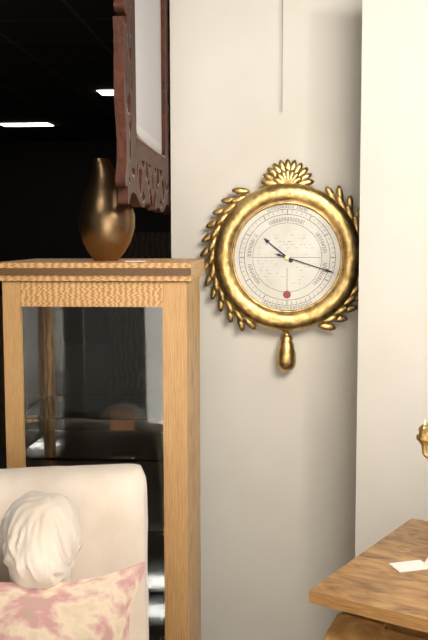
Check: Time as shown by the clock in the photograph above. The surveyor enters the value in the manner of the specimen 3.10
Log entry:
10.18
